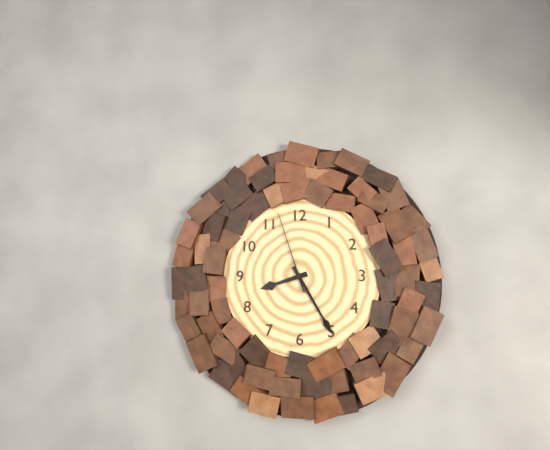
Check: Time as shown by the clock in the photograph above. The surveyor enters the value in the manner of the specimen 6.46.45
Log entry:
8.25.57
